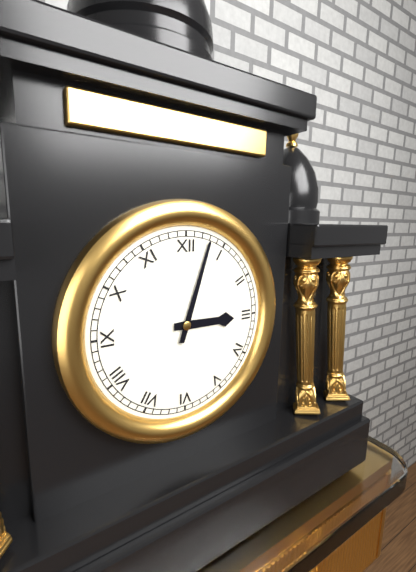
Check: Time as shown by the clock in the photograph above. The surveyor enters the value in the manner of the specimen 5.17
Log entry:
3.03
